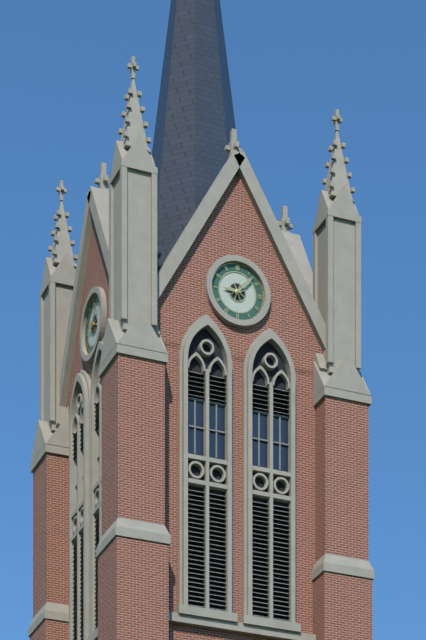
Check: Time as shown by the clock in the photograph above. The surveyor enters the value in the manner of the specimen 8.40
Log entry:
9.07
